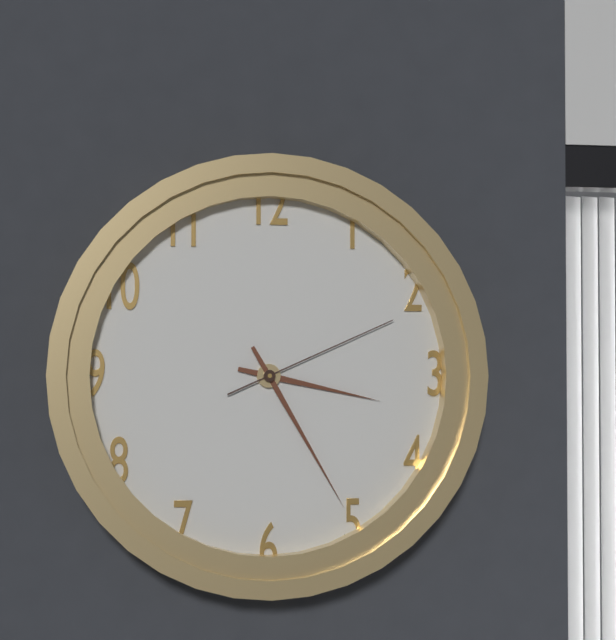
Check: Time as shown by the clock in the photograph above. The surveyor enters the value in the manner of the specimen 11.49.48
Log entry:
3.25.11
